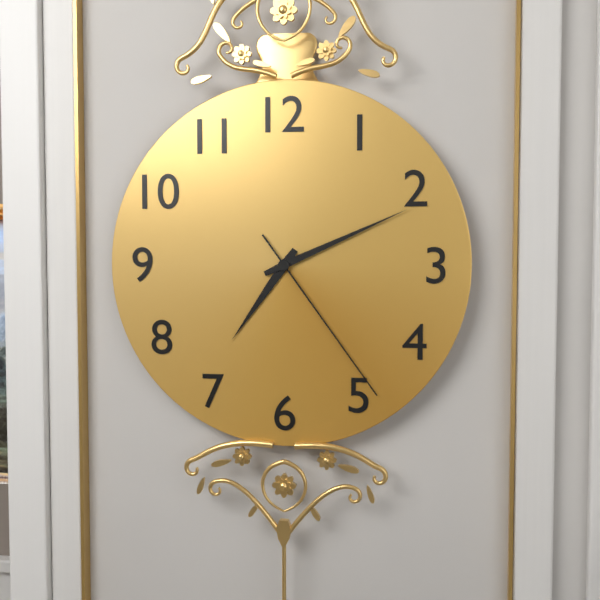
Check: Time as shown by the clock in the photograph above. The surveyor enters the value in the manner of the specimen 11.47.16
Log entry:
7.11.24
